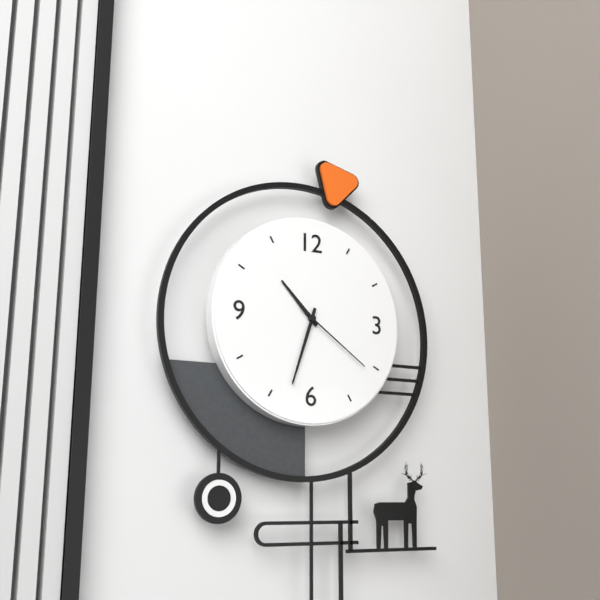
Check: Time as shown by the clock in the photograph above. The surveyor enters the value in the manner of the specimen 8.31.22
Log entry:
10.33.21
